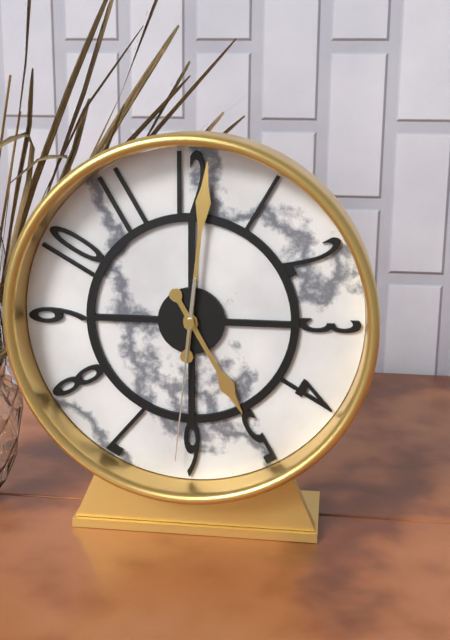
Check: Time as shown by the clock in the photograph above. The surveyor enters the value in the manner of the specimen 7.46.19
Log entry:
5.01.31
